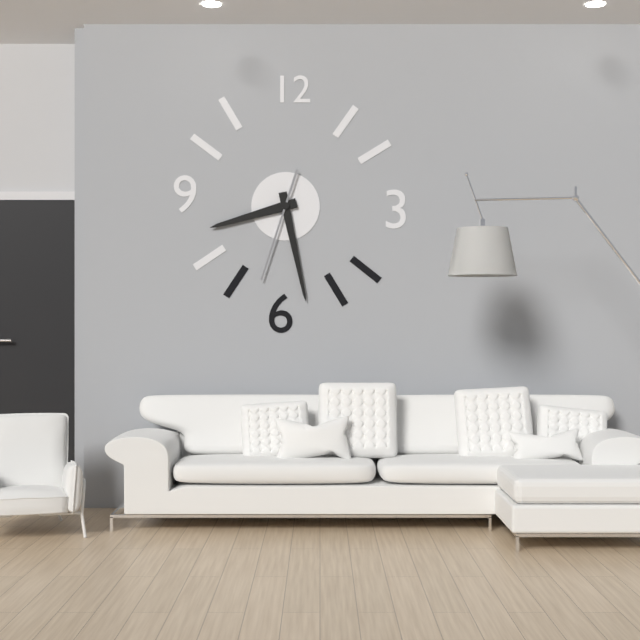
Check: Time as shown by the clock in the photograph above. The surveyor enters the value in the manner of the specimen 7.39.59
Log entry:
8.28.33
